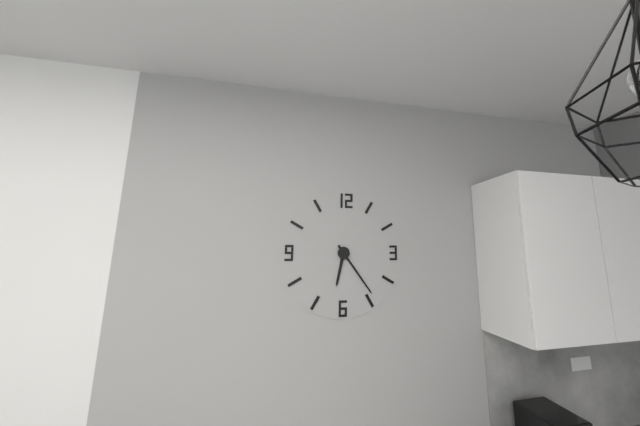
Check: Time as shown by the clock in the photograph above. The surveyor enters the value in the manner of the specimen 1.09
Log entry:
6.24
